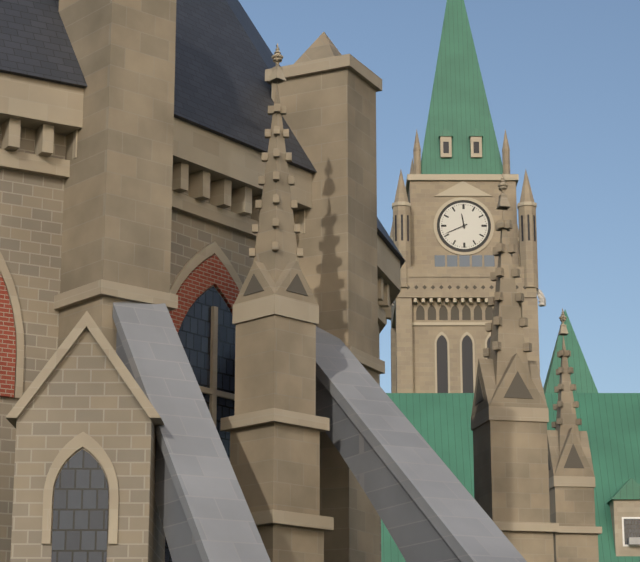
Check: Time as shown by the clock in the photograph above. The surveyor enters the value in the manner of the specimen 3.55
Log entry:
11.41
